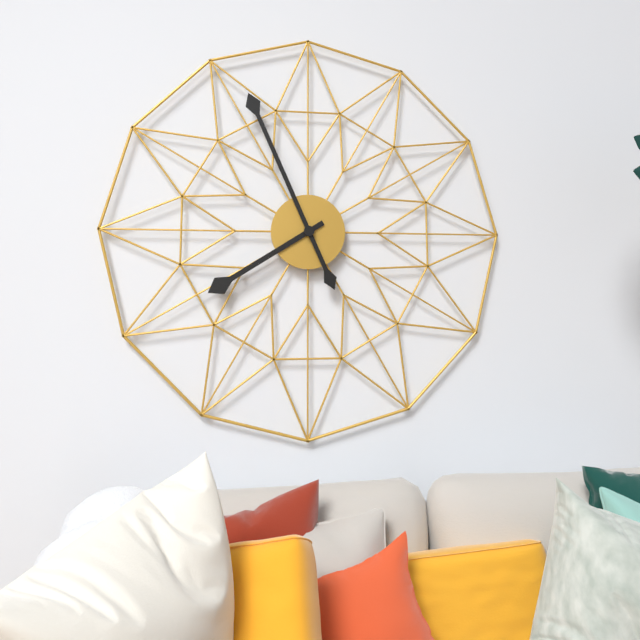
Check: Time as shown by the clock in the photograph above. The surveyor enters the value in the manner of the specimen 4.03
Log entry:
7.56
